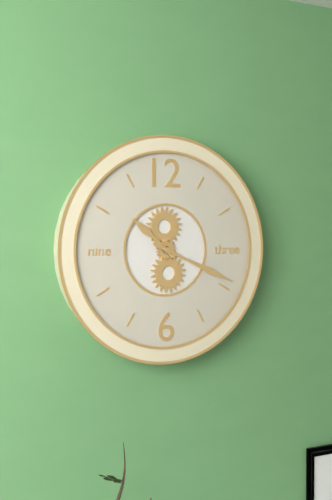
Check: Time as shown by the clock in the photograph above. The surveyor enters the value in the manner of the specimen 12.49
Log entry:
10.19
